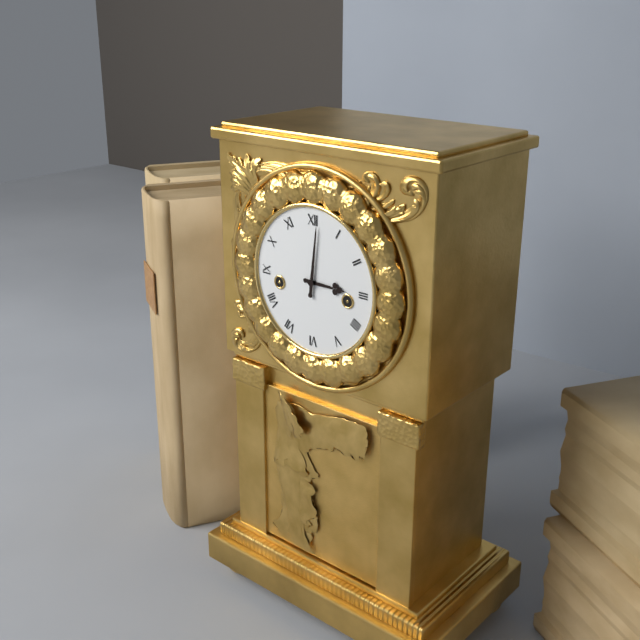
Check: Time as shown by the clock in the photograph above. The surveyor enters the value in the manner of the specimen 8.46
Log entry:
3.01
